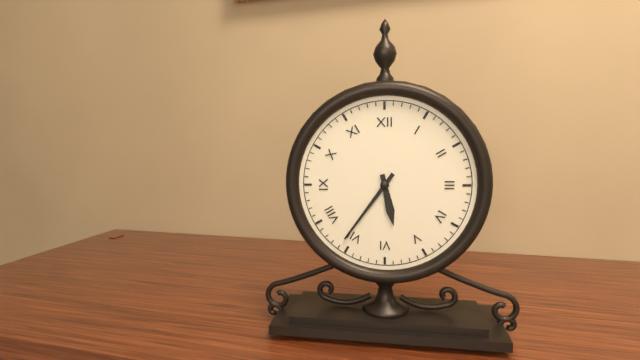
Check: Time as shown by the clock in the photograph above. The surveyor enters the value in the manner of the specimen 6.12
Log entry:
5.36
